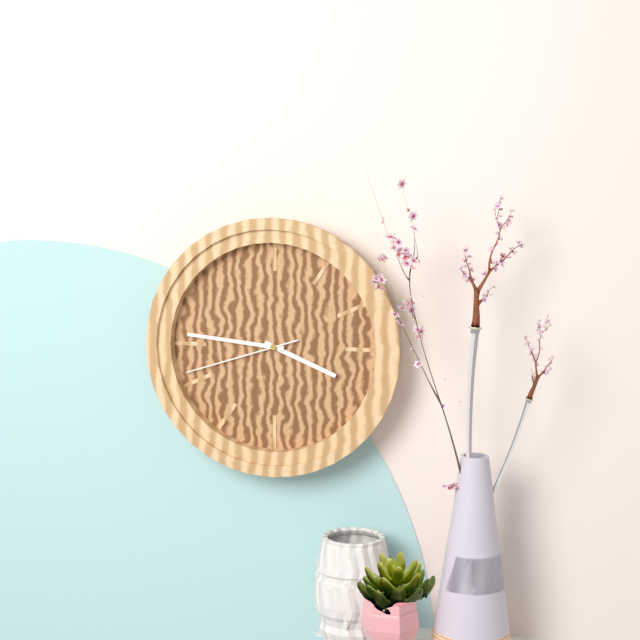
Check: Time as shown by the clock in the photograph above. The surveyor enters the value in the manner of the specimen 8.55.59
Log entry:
3.46.42
